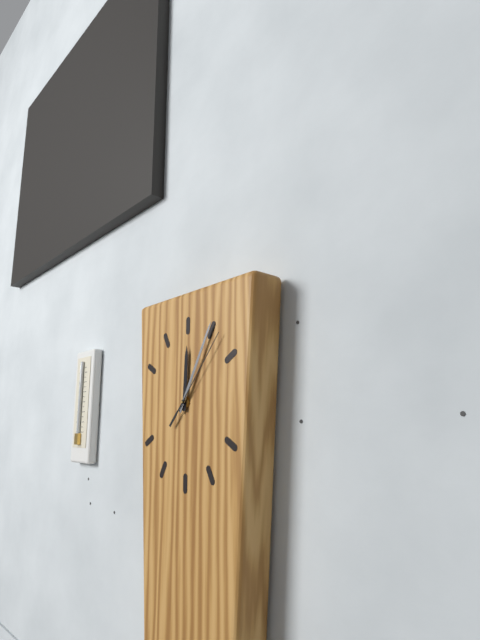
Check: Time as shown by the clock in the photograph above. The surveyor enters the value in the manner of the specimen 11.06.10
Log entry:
12.05.07
